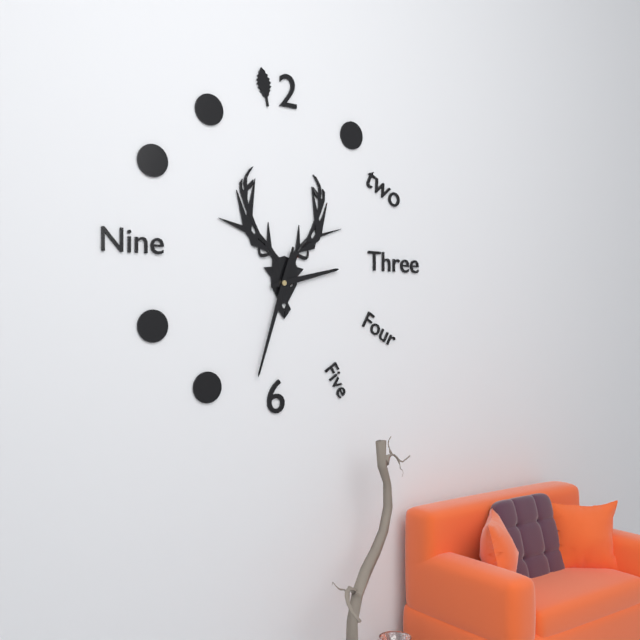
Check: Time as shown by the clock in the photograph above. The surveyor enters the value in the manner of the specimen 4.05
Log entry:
2.33
